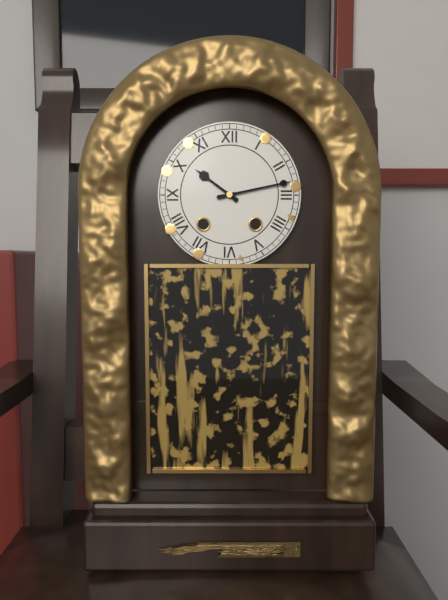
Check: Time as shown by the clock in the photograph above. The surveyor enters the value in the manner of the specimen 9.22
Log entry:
10.13
